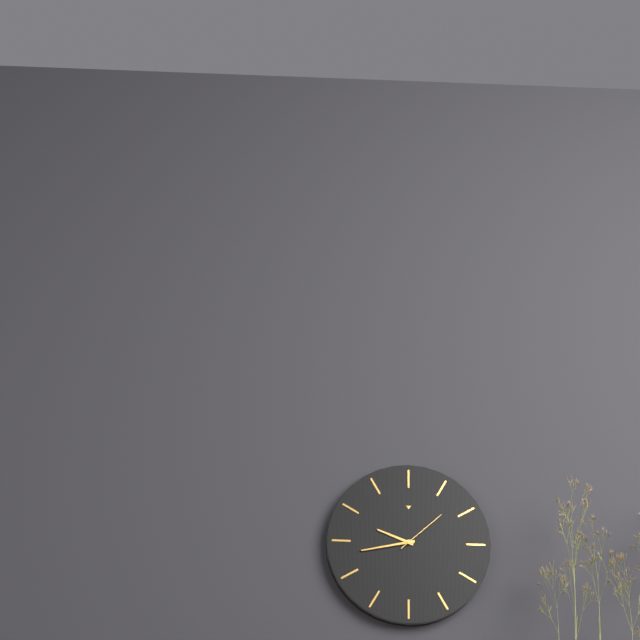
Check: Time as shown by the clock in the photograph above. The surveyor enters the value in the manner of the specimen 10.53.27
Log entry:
9.43.08
